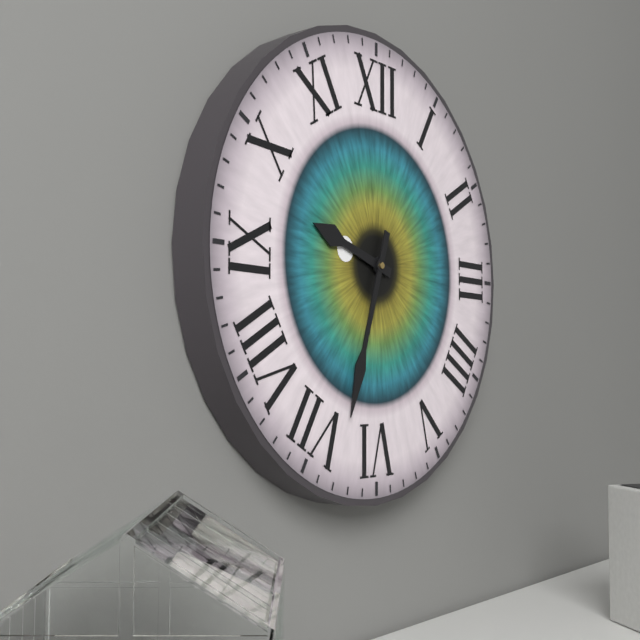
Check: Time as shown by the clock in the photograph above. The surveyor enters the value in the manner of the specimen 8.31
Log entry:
9.33
